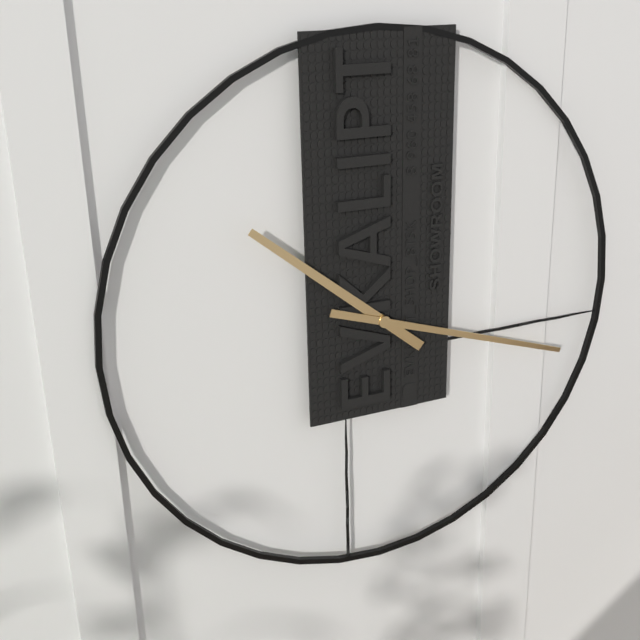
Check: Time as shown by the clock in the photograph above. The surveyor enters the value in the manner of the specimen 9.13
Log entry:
10.18
